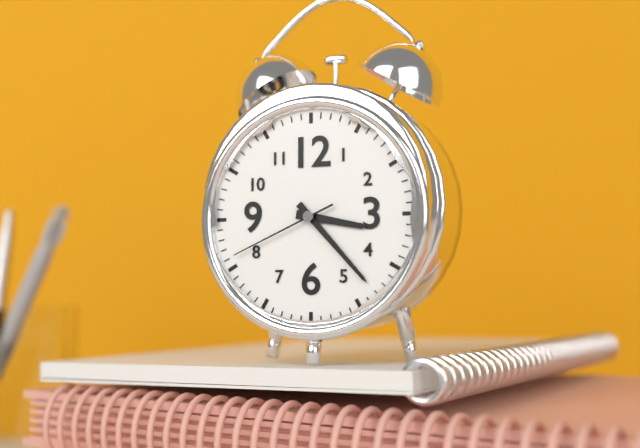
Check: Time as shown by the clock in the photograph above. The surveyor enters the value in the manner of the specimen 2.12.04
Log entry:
3.23.41
